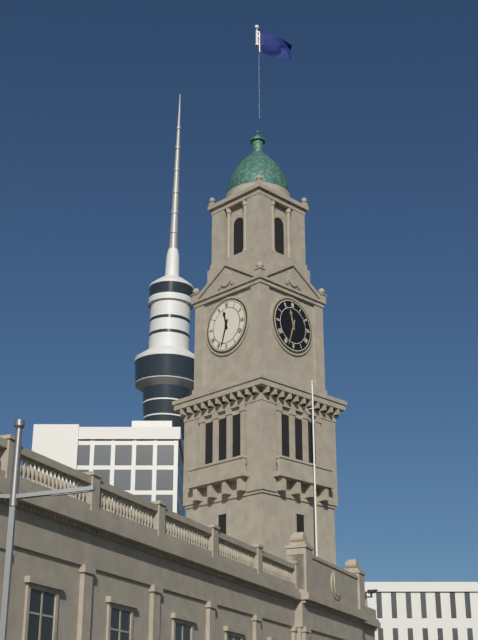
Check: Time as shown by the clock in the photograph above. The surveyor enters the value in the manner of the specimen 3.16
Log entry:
11.33
